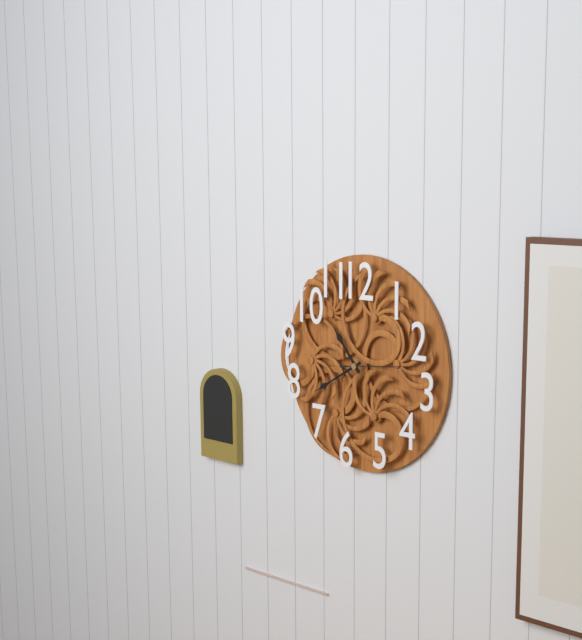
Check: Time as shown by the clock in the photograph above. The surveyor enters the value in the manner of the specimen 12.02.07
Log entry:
10.40.14
